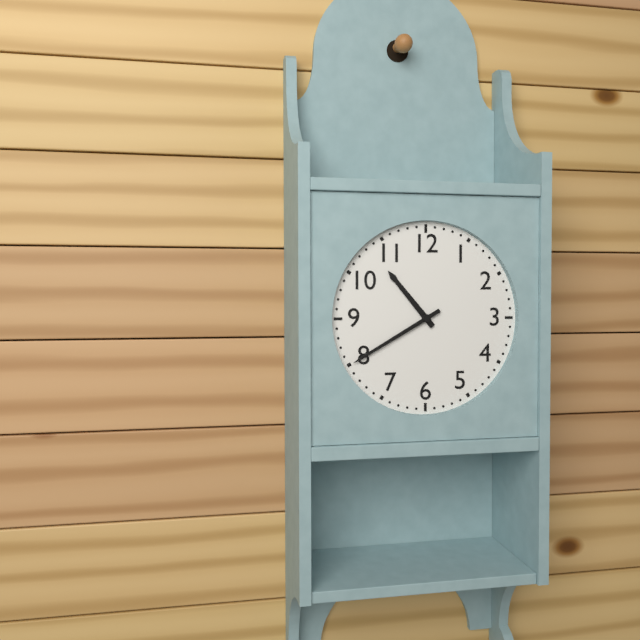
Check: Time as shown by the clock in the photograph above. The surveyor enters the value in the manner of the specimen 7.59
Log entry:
10.40
